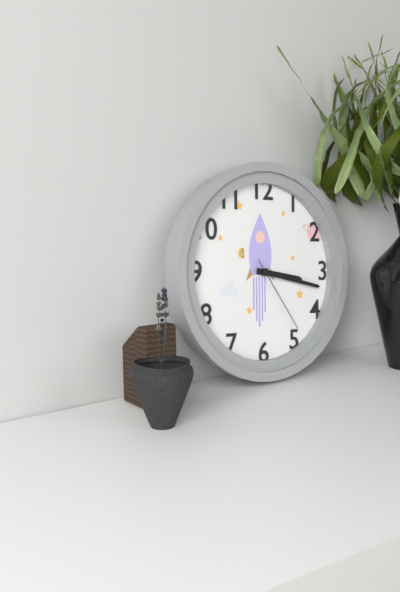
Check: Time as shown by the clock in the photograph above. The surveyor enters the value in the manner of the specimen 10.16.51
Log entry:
3.17.24
